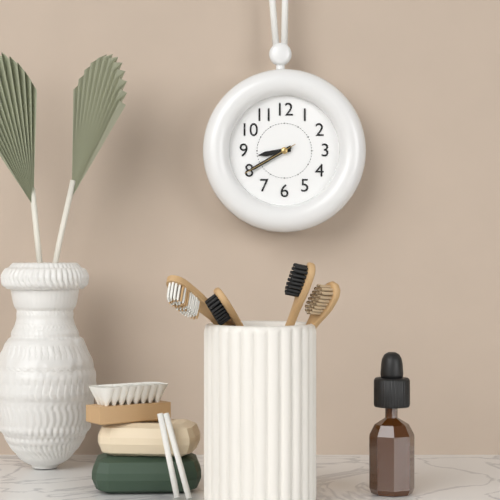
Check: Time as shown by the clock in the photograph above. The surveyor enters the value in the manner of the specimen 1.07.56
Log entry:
8.40.40
